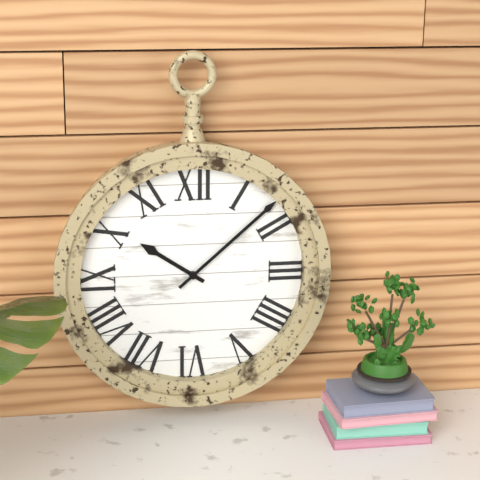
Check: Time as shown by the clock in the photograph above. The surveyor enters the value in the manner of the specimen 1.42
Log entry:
10.08
